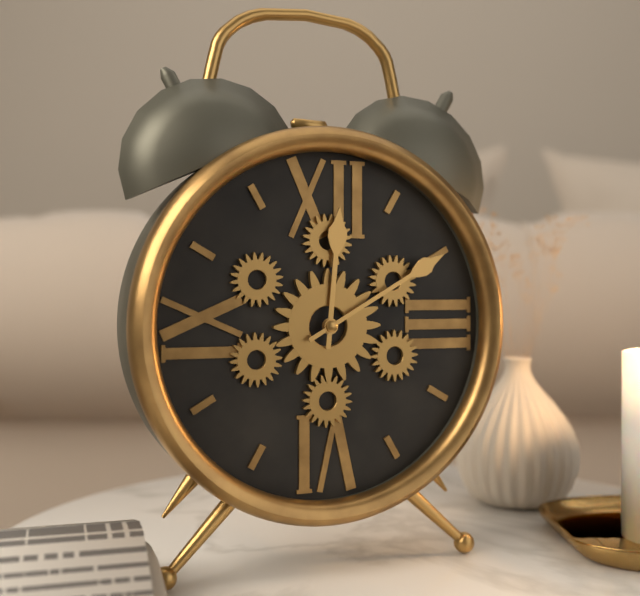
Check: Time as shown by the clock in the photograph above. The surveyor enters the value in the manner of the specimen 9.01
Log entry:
12.10
